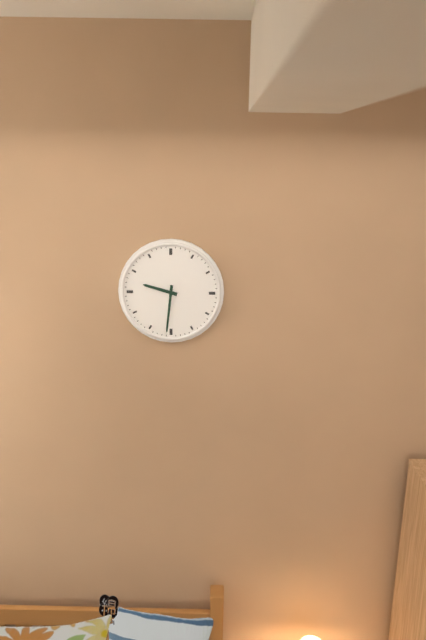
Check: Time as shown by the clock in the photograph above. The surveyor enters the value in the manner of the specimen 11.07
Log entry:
9.31
